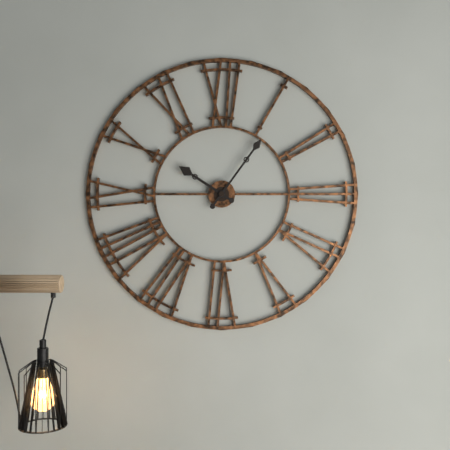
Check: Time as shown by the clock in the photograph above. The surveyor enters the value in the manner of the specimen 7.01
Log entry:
10.06
